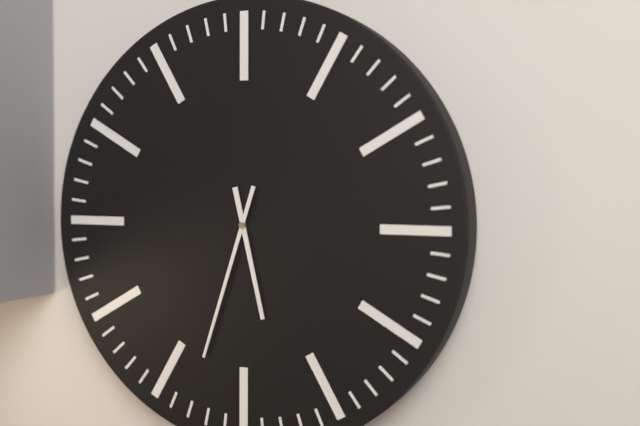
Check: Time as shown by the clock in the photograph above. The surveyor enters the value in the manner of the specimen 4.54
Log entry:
5.33
